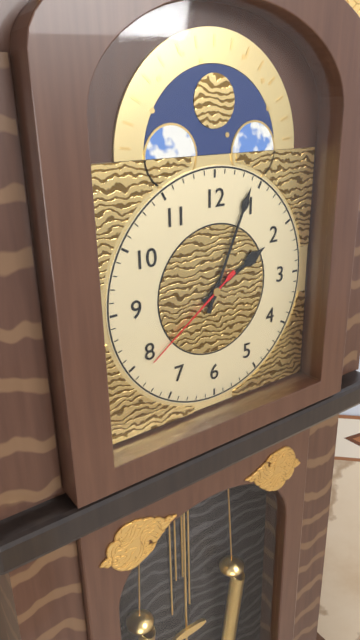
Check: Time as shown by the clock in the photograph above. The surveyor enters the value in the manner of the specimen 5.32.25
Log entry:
2.04.39
